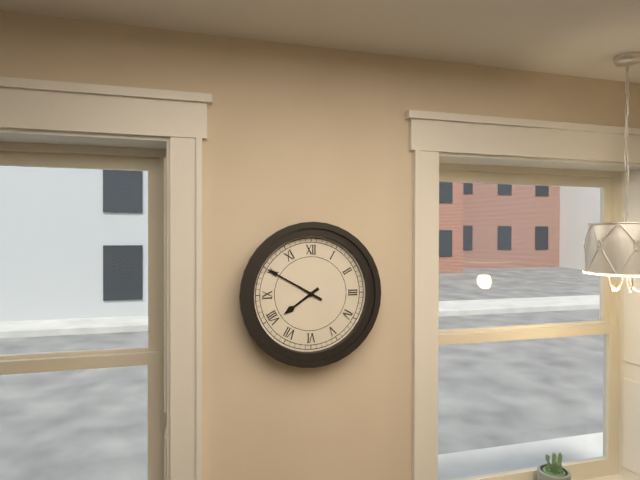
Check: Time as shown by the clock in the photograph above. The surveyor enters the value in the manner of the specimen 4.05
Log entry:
7.50
